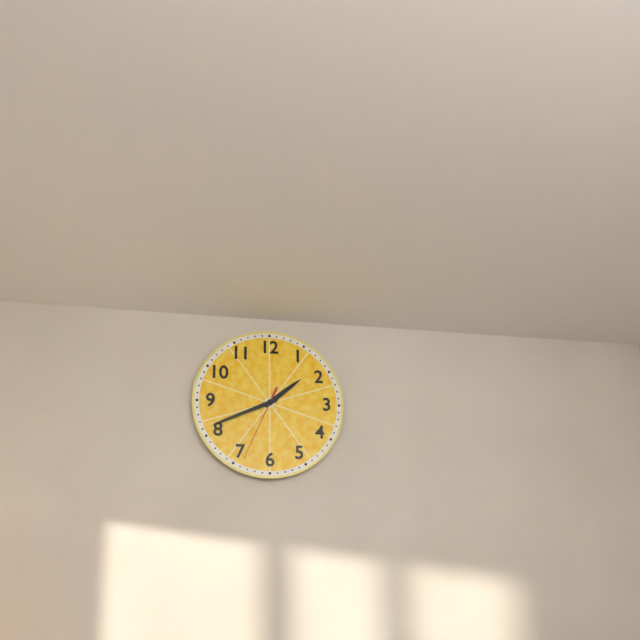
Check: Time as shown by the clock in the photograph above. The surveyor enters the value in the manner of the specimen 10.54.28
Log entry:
1.41.34
